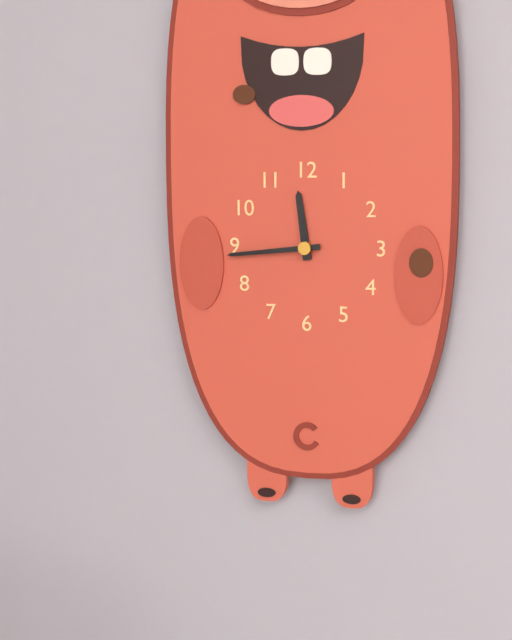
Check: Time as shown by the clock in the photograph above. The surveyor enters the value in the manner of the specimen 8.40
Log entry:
11.44
